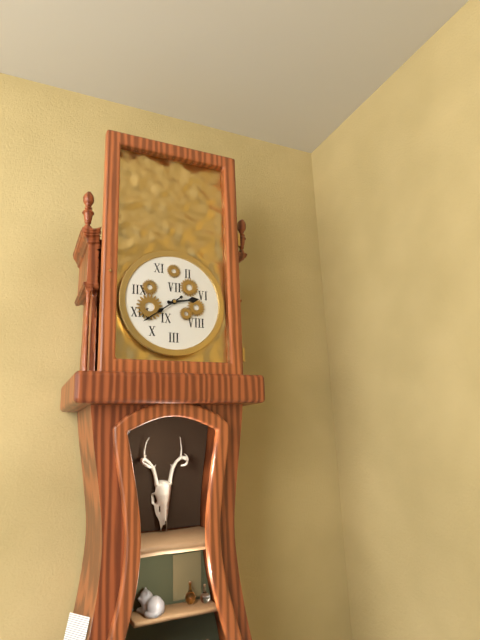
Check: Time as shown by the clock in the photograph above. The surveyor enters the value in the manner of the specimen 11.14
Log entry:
2.39
